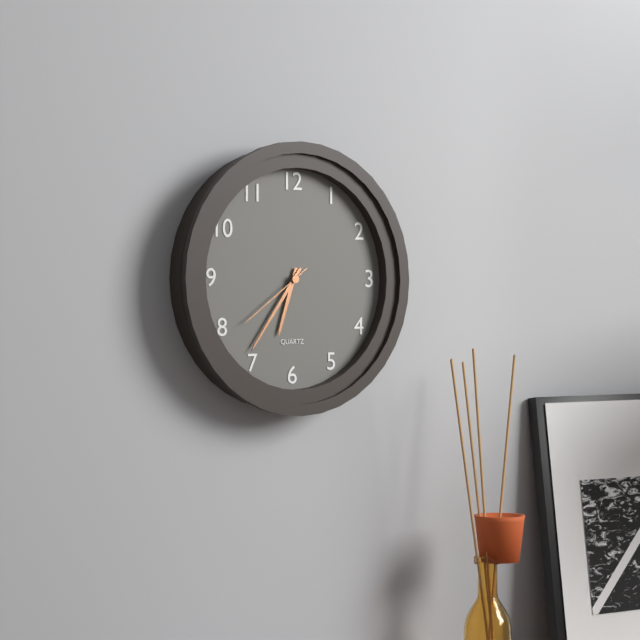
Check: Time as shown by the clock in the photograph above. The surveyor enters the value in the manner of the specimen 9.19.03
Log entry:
6.36.39
